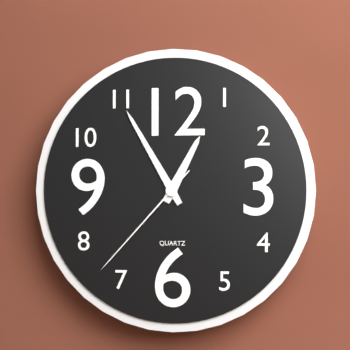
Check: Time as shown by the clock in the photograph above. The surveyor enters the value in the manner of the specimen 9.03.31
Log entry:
12.55.37
